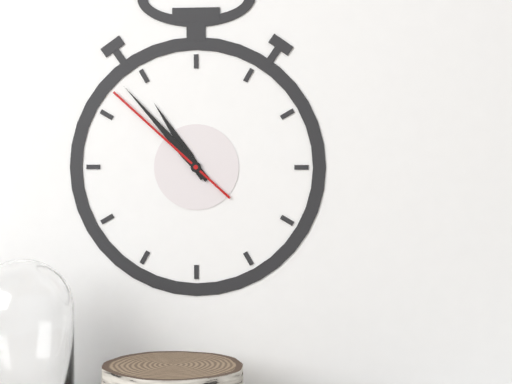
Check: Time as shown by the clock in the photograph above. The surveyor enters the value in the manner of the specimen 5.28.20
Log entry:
10.53.52
